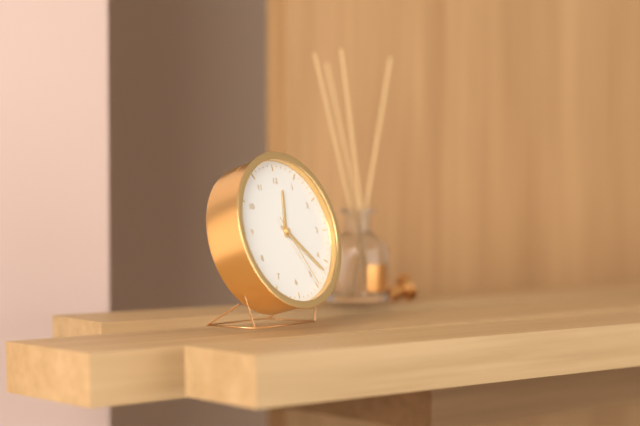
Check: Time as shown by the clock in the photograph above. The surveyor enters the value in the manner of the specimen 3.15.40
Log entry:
12.22.25
